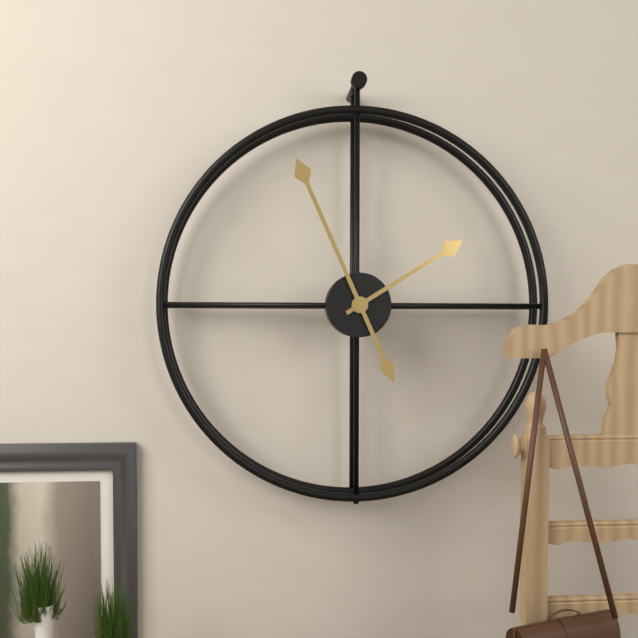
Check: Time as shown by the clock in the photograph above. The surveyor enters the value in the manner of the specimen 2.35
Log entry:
1.56
